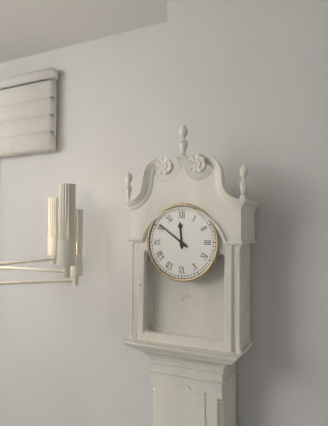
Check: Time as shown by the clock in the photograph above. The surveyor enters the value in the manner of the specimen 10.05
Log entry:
11.51
